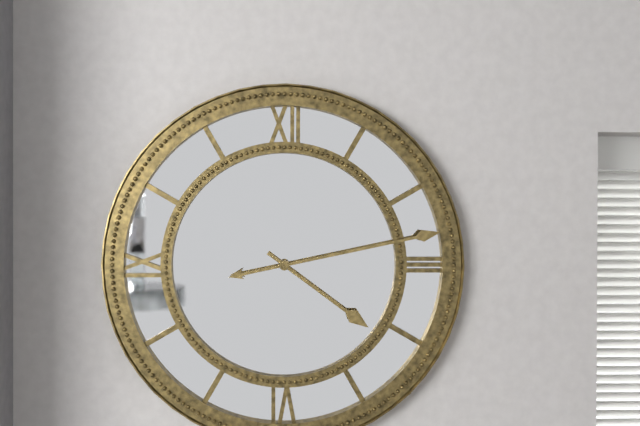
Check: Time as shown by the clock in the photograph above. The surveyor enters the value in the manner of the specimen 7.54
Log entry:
4.13
